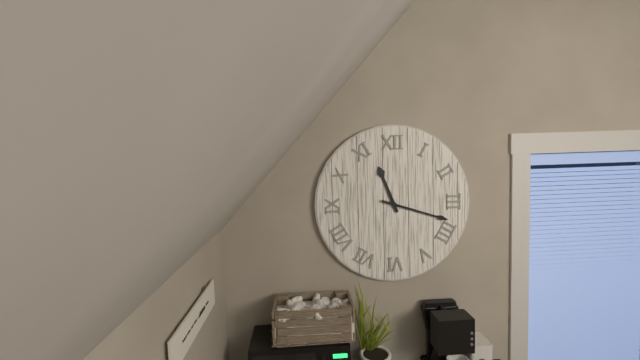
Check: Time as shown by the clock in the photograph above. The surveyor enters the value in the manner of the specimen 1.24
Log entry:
11.18
